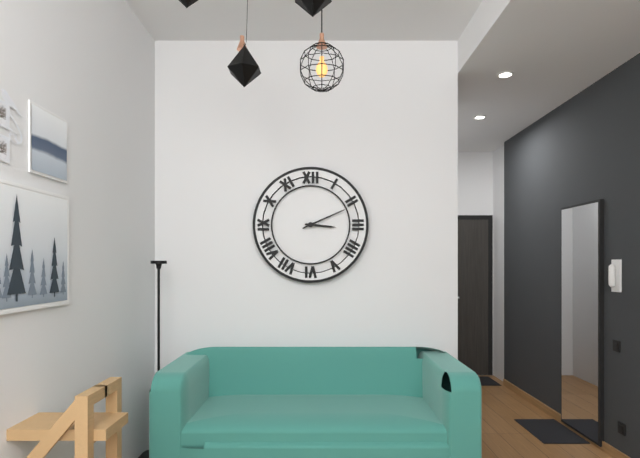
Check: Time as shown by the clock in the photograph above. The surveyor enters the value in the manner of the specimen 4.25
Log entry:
3.11
